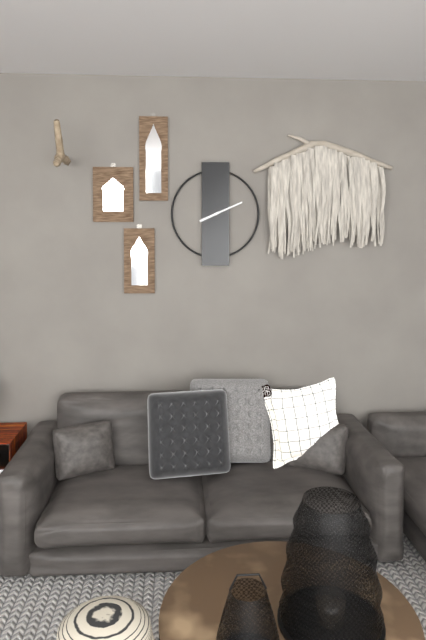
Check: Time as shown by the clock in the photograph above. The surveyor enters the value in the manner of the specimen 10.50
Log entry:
8.11
